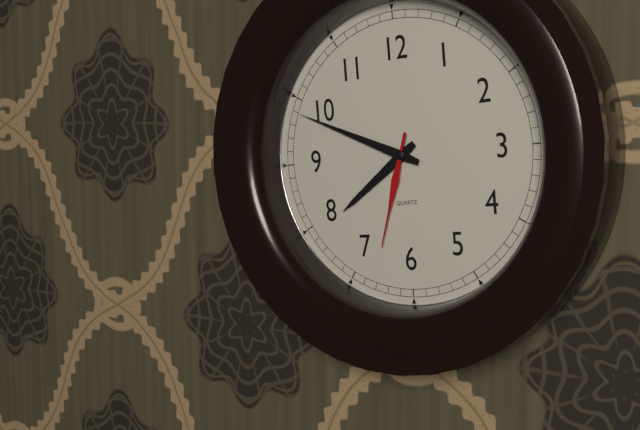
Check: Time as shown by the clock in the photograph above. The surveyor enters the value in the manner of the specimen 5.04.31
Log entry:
7.49.33
